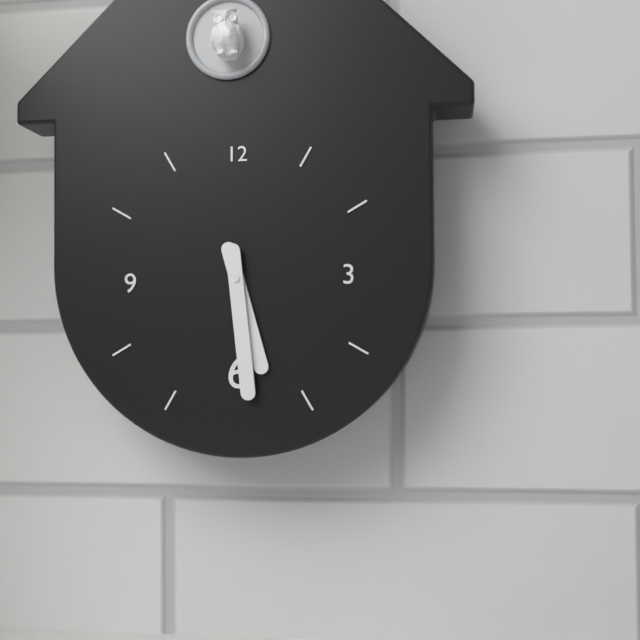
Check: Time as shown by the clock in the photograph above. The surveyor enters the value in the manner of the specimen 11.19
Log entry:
5.29
